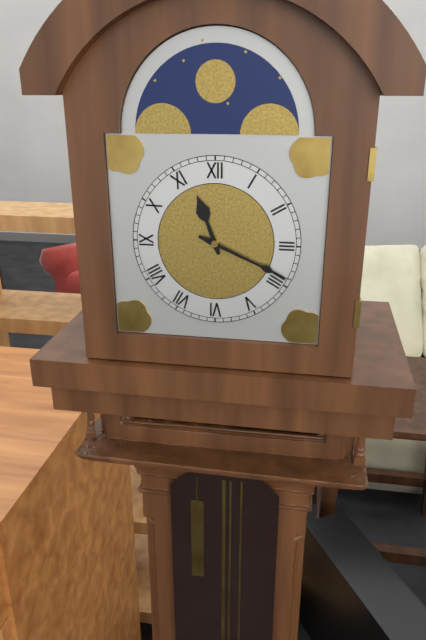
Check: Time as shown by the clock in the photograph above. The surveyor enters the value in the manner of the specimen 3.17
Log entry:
11.19
